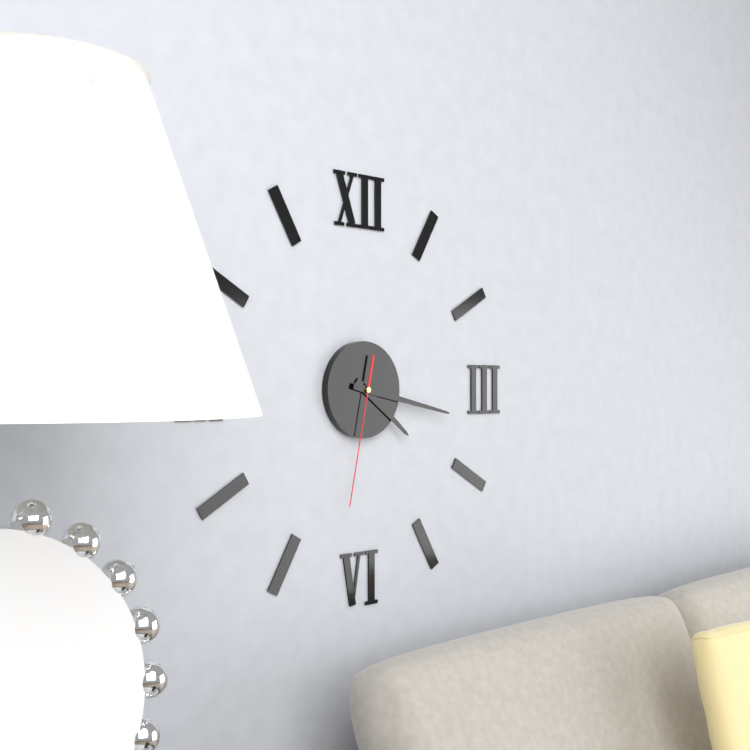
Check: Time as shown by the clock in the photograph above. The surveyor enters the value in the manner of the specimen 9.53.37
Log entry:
4.17.32
